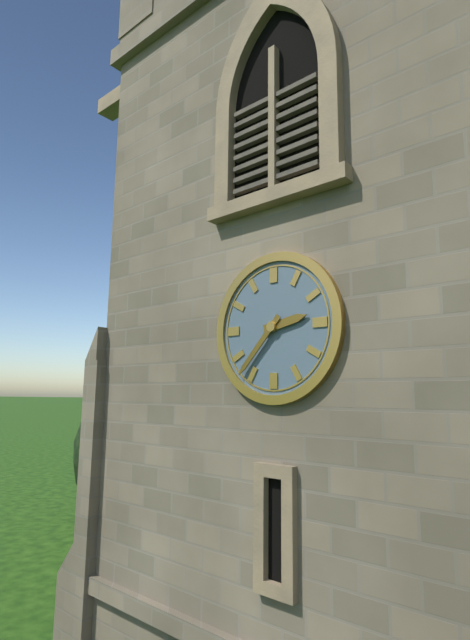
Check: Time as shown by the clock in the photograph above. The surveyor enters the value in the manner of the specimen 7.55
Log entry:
2.37
